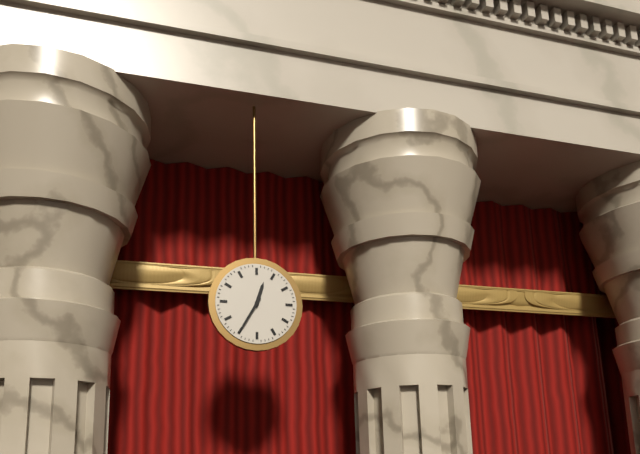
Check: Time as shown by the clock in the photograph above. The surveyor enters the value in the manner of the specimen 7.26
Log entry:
12.35
